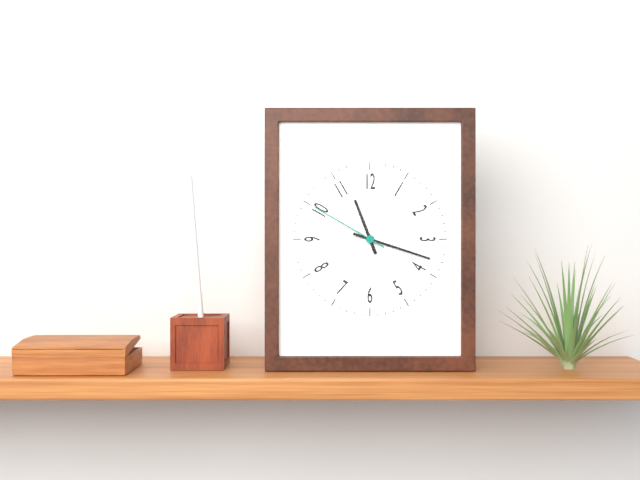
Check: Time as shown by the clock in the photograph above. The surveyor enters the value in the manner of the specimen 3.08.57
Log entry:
11.18.50
